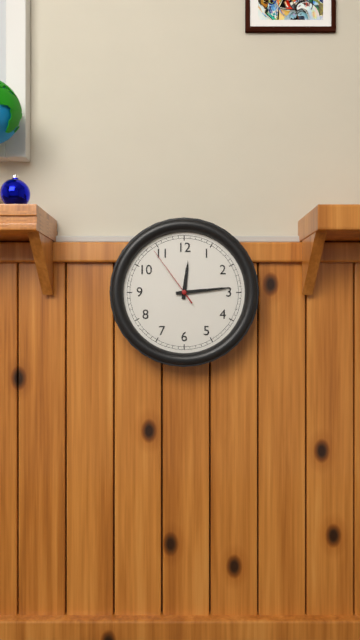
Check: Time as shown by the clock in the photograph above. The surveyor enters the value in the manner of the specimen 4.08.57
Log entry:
12.14.54
